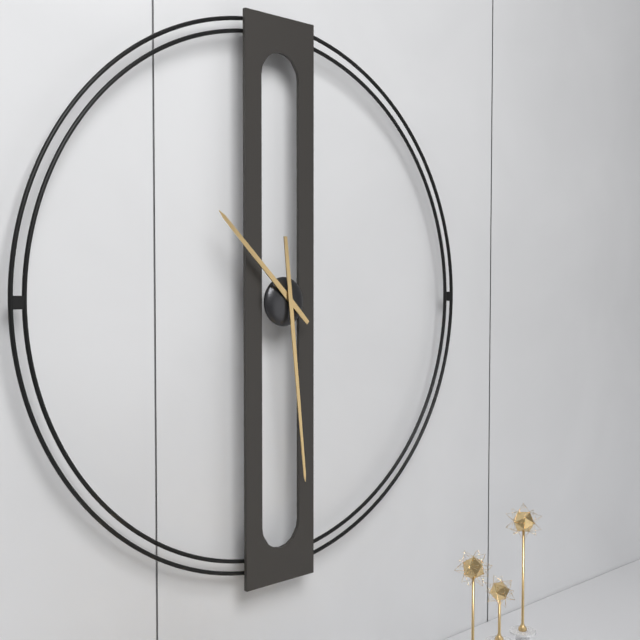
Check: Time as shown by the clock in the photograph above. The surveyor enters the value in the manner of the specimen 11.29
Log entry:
10.29
